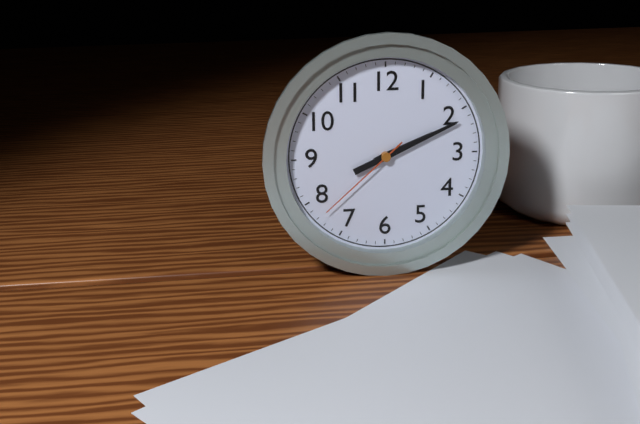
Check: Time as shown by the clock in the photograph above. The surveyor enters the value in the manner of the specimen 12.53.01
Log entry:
2.11.38
